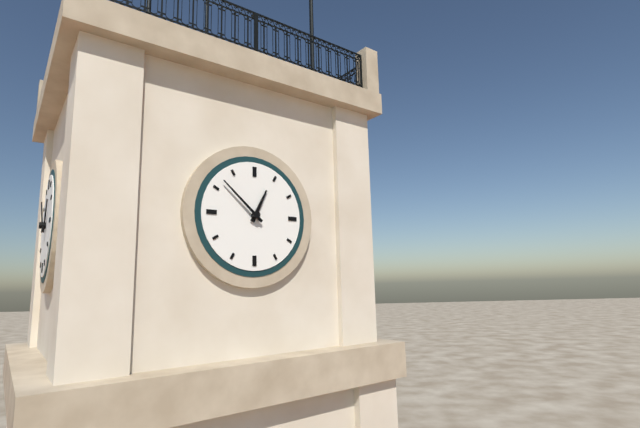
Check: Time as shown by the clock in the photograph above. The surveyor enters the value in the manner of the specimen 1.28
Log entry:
12.52
